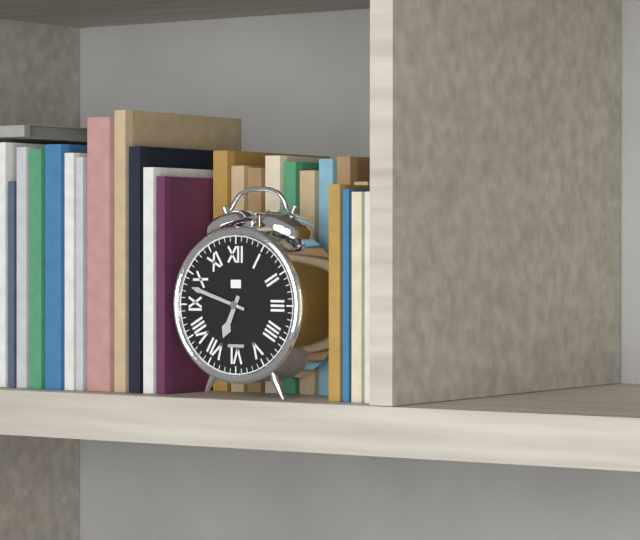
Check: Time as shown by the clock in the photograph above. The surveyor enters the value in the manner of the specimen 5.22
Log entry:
6.48
